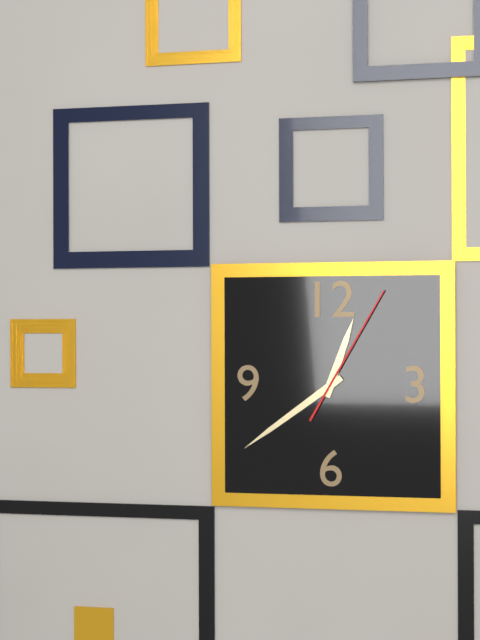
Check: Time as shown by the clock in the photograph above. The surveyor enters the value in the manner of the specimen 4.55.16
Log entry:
12.39.05
